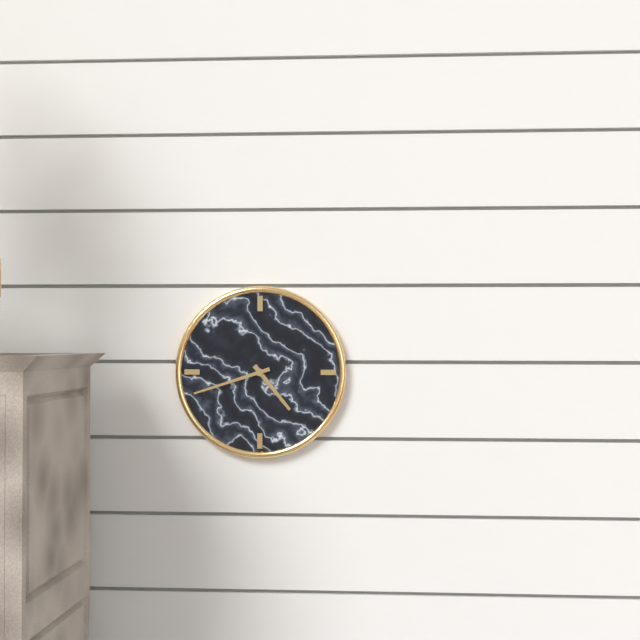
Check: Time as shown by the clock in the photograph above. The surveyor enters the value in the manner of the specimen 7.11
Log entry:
4.42
